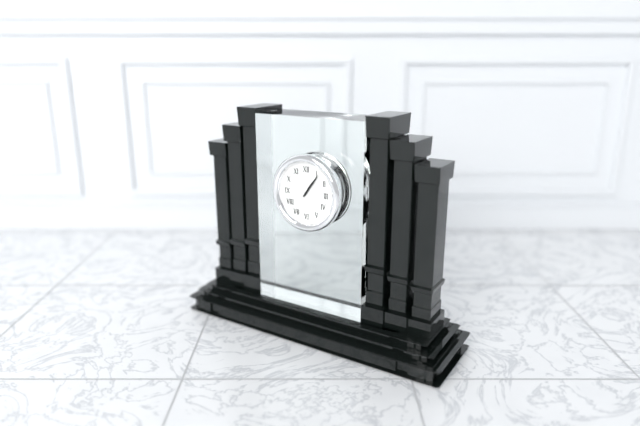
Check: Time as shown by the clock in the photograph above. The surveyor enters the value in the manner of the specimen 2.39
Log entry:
1.06
